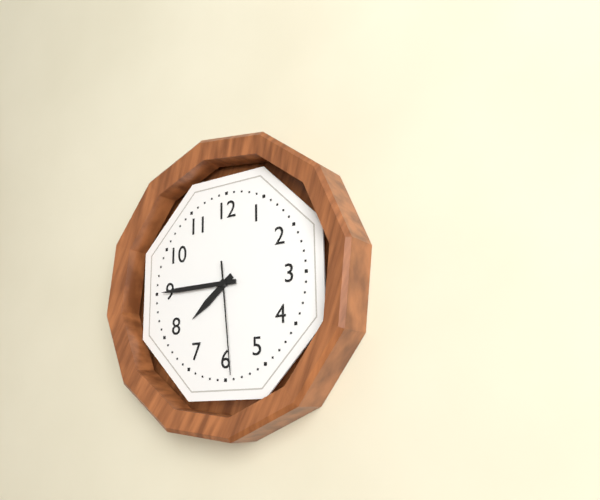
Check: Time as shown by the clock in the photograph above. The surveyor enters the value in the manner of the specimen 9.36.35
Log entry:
7.45.29
